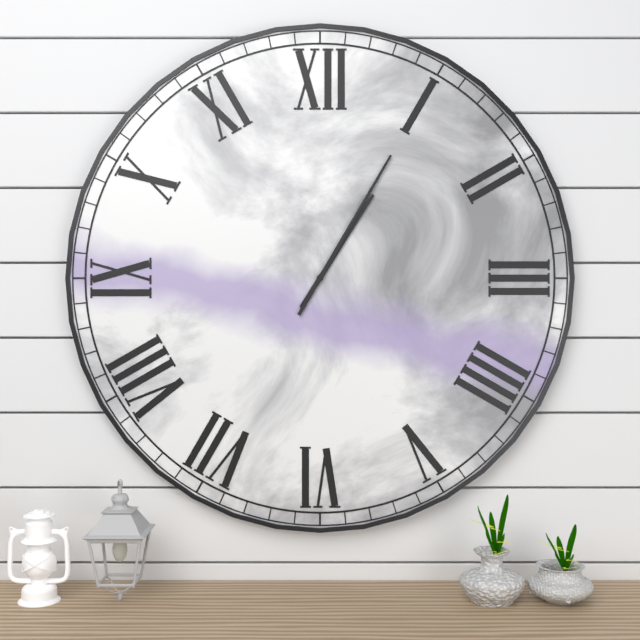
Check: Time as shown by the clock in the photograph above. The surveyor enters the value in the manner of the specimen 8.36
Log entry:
1.05
